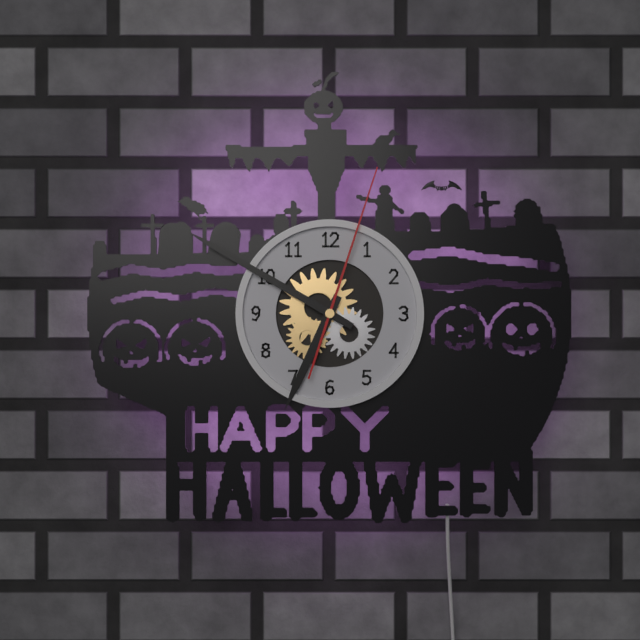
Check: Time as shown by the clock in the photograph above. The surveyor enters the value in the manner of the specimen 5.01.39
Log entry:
6.50.03
